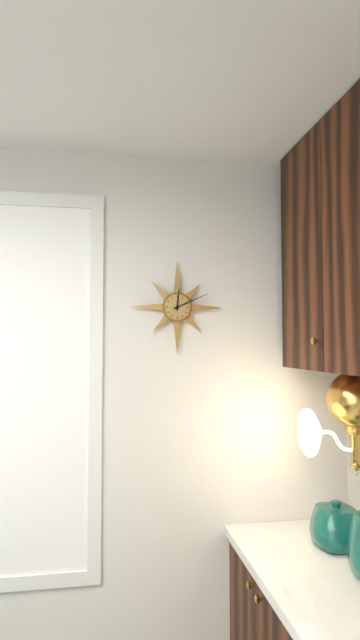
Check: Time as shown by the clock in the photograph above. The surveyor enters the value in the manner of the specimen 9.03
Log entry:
12.11
